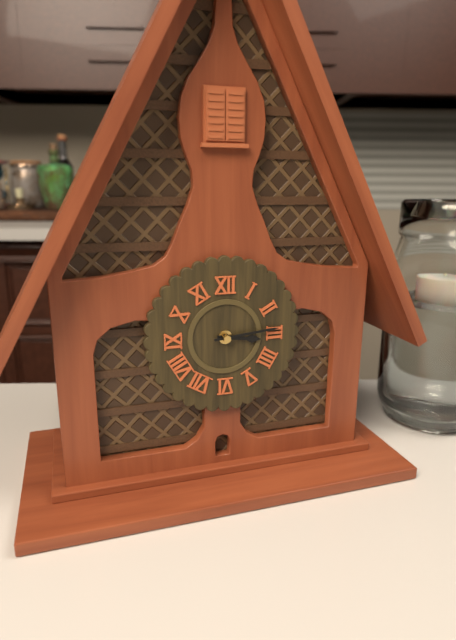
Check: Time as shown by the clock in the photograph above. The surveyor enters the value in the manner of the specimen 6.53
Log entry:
3.14
